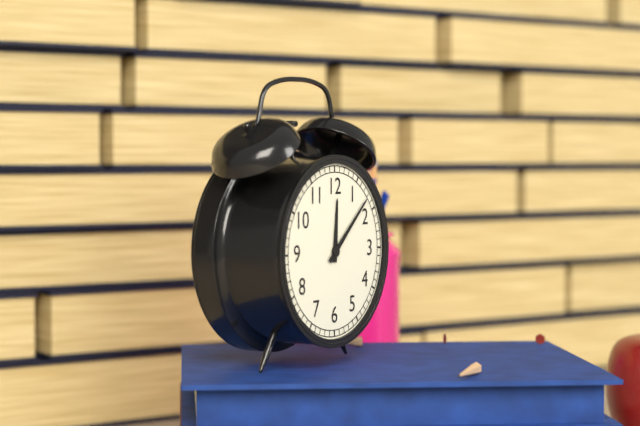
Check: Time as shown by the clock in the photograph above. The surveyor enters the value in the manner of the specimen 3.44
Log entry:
12.08
